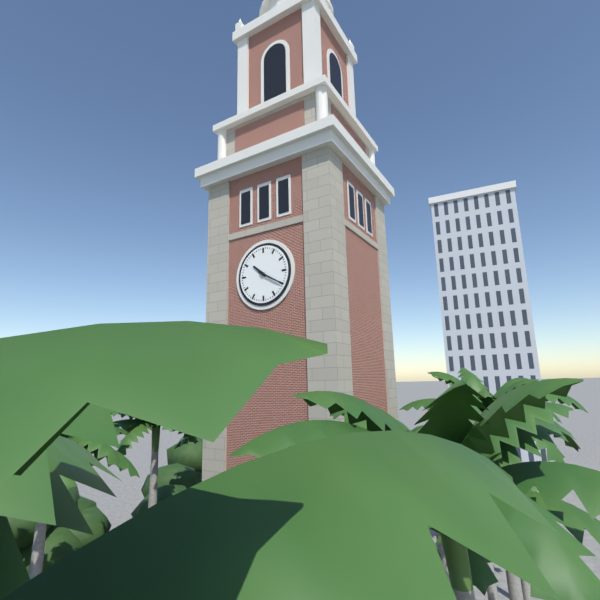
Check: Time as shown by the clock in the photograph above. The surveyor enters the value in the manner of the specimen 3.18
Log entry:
10.20
